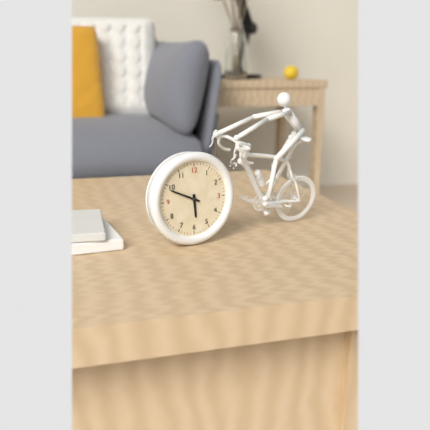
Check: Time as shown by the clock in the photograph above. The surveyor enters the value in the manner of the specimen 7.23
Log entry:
5.49
